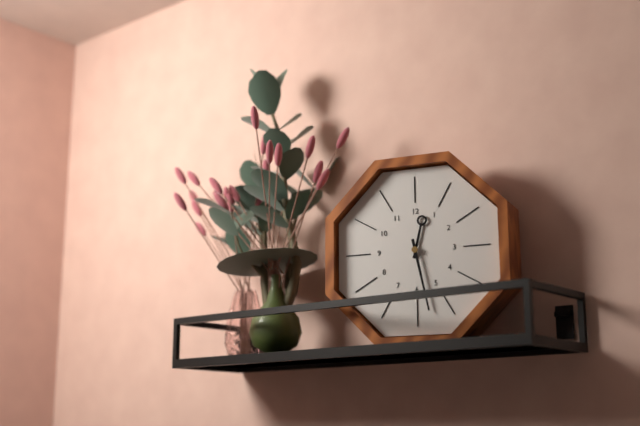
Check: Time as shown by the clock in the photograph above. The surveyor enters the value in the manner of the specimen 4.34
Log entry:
12.28
